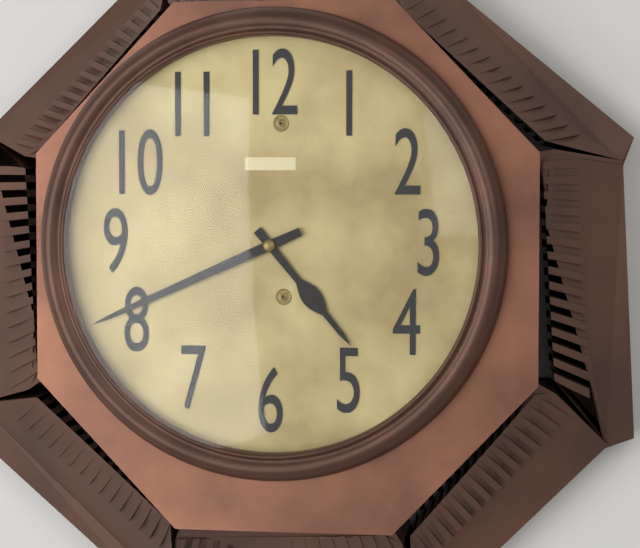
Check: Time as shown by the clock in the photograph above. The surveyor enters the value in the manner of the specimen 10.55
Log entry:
4.41
